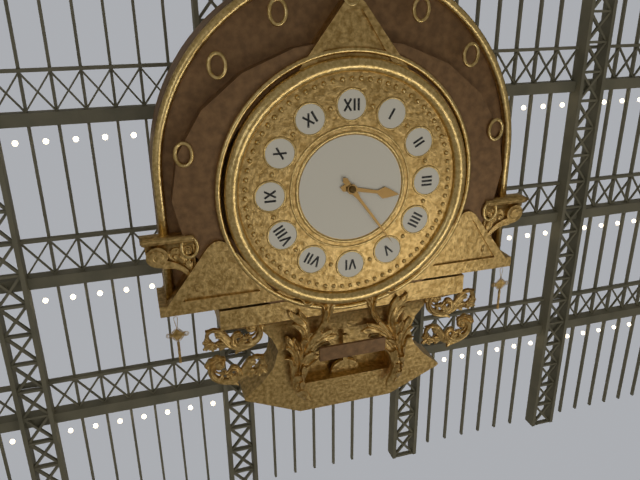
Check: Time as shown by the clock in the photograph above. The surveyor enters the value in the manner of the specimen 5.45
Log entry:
3.24
